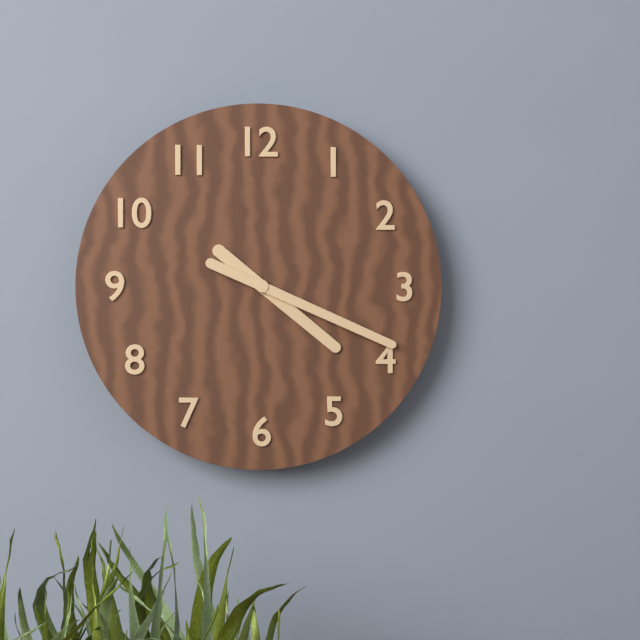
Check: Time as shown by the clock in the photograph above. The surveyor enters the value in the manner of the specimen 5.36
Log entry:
4.19
